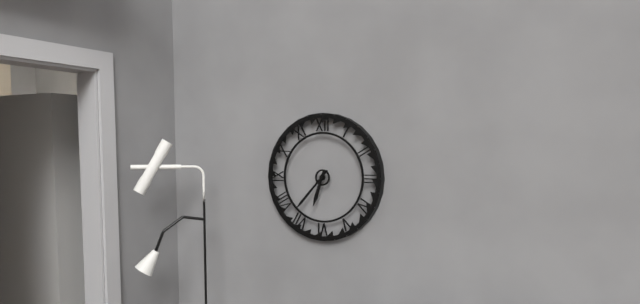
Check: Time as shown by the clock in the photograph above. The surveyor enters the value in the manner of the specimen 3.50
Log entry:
6.37
